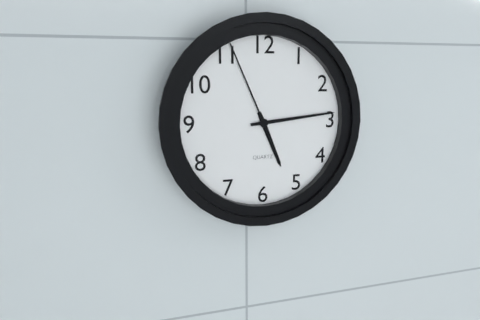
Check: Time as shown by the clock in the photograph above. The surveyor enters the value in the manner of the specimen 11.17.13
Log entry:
5.14.56
